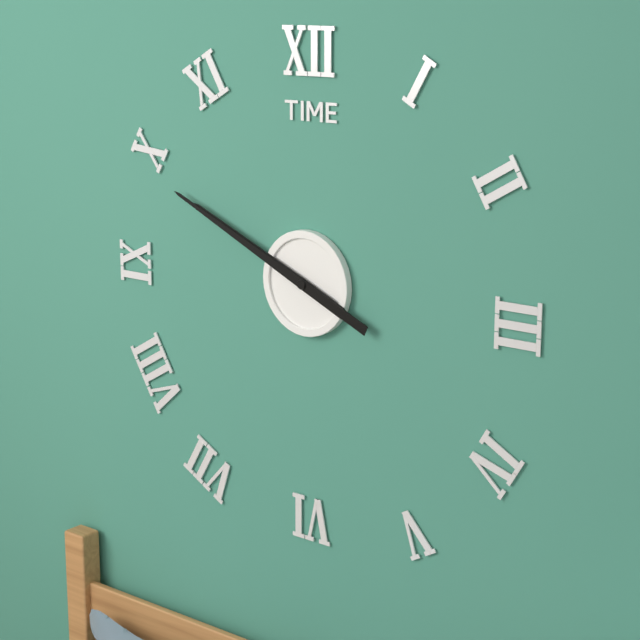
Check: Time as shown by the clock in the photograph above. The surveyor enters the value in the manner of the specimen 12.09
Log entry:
9.49
